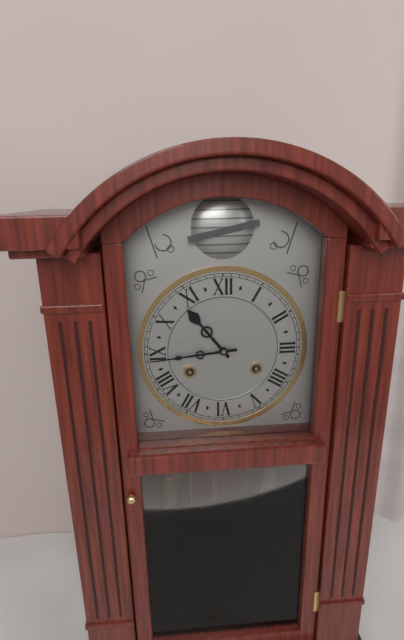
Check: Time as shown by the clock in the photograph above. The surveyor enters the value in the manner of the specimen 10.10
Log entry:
10.44
